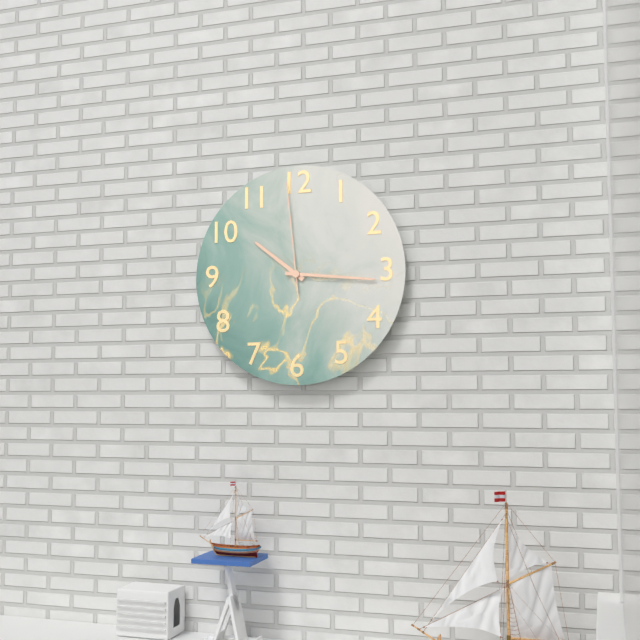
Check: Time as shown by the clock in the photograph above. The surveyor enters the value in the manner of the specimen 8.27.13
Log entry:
10.16.59
